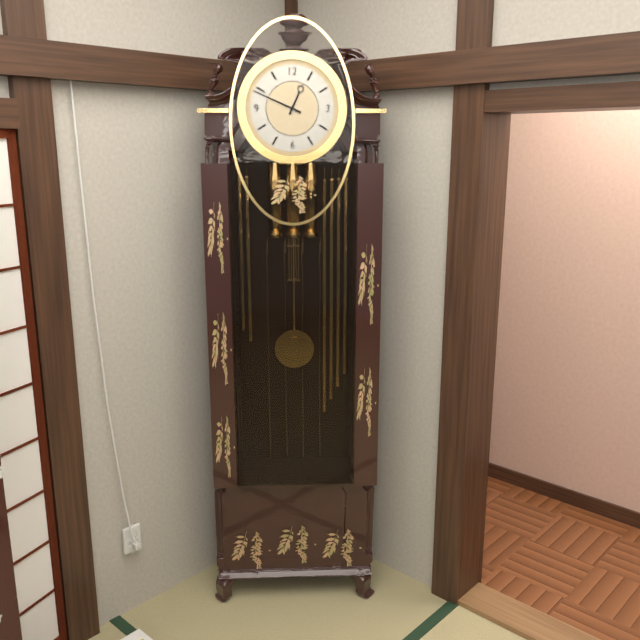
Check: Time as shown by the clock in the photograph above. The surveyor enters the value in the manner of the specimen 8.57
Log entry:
12.49
